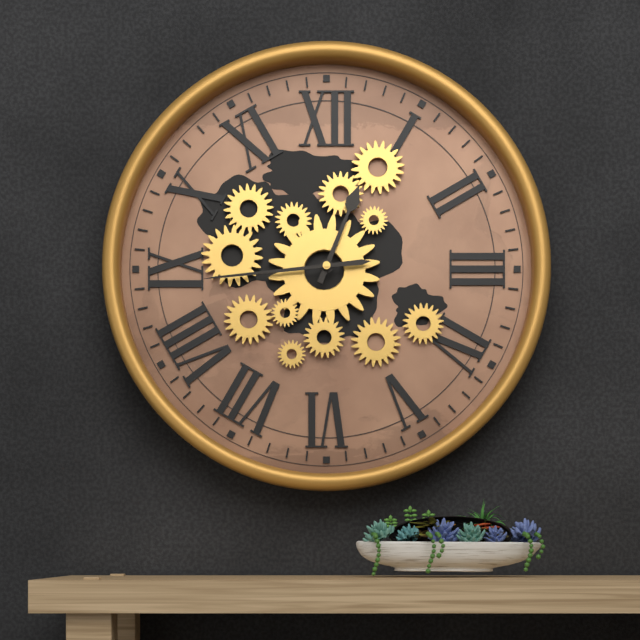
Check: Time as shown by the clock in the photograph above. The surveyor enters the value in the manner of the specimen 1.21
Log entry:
12.44
